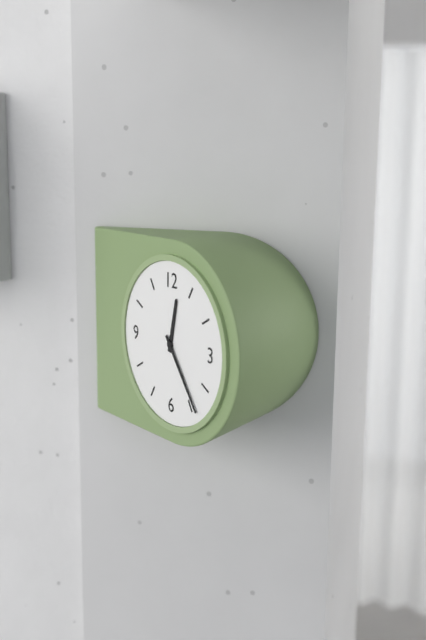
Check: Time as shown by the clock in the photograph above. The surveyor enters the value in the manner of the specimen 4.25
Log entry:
12.24
